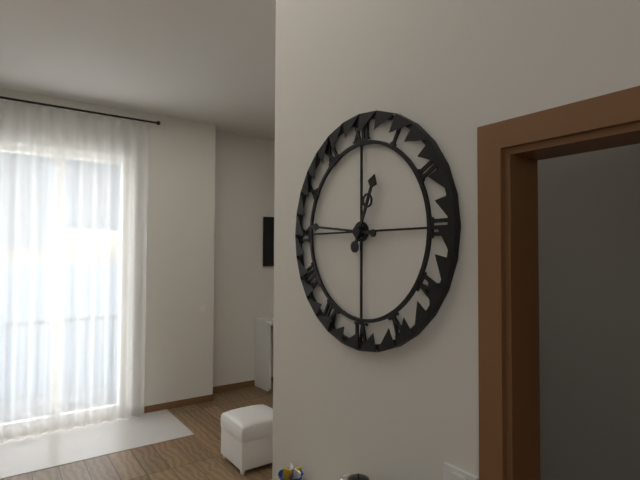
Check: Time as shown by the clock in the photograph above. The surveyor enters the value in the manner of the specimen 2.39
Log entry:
12.46
